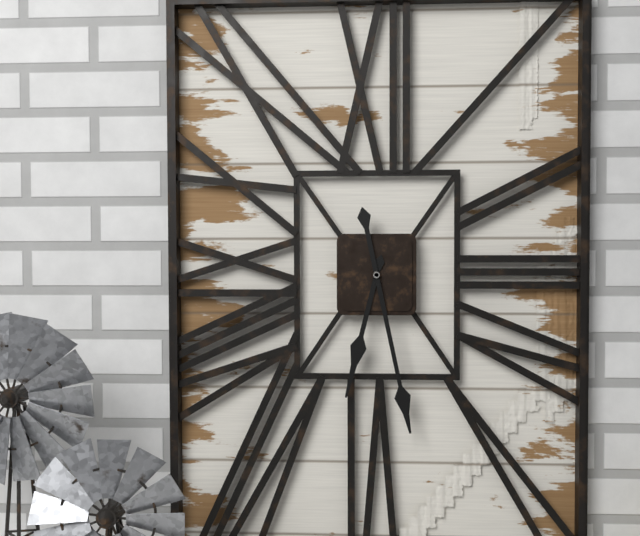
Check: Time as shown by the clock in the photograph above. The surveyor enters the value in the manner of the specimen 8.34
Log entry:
6.28
